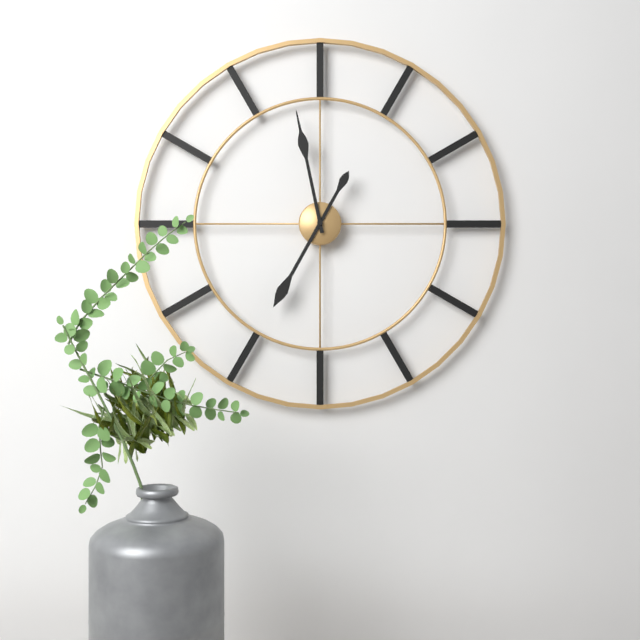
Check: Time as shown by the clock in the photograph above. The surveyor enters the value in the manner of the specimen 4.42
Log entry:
6.58
